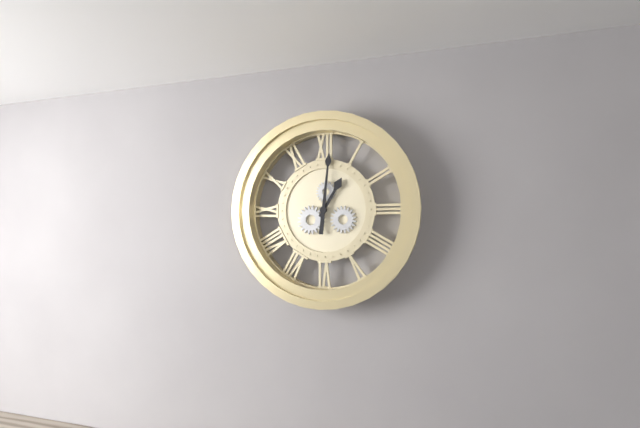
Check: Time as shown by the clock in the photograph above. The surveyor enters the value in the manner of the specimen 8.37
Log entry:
1.01
